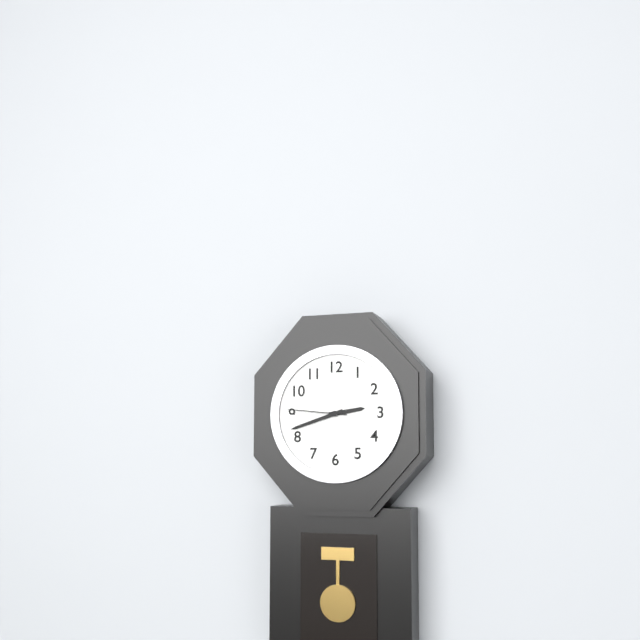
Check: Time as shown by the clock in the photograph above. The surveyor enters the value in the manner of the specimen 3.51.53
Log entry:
2.42.46
